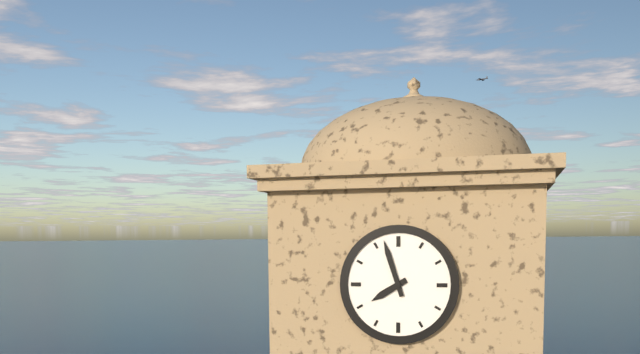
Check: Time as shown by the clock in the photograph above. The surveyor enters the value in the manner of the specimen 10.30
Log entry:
7.57
